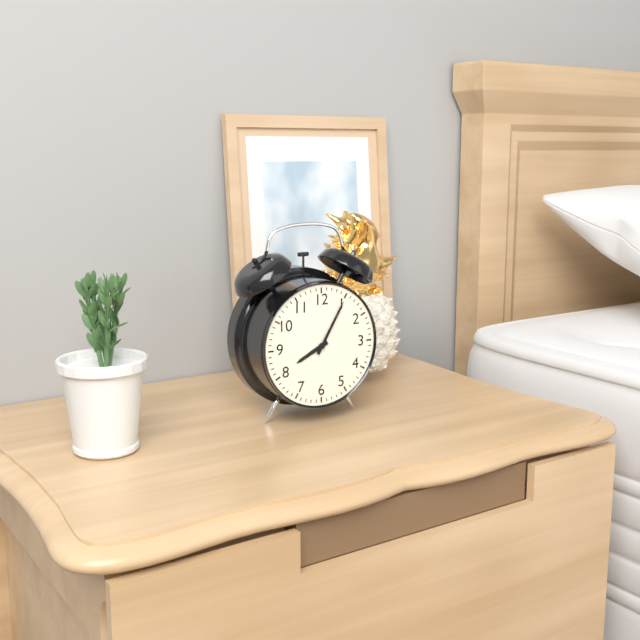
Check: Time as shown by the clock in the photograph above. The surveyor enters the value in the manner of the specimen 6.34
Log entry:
8.05
